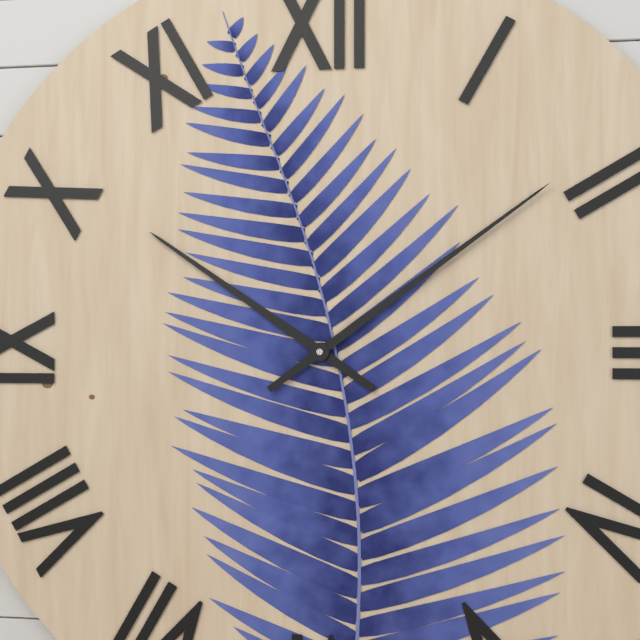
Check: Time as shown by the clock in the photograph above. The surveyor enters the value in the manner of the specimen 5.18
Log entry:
10.09
